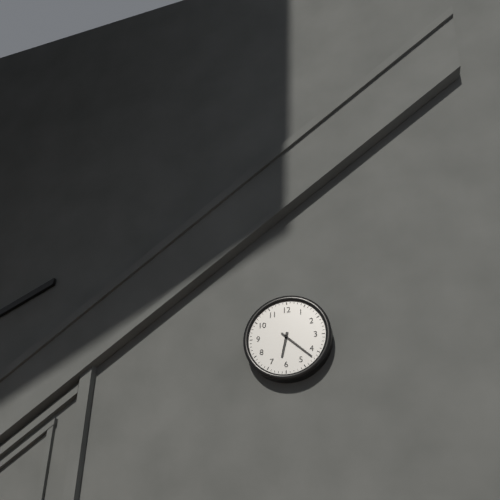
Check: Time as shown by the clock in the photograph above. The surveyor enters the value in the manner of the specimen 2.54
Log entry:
6.22
